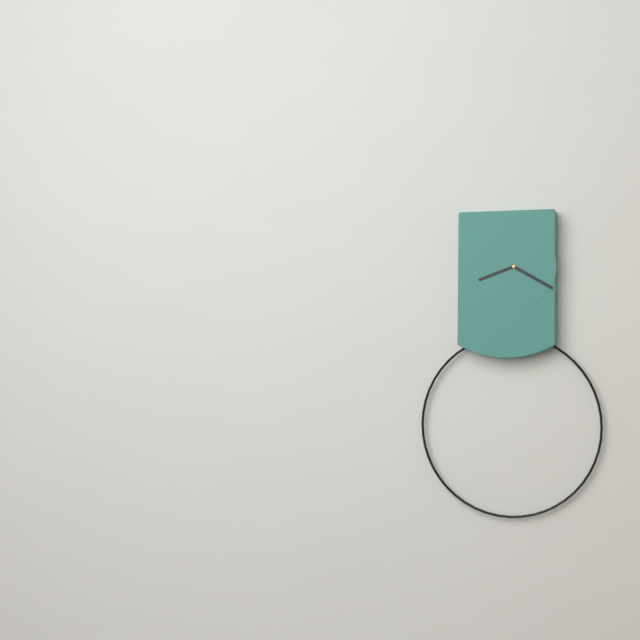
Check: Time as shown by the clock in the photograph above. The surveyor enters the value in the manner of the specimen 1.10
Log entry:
8.20
